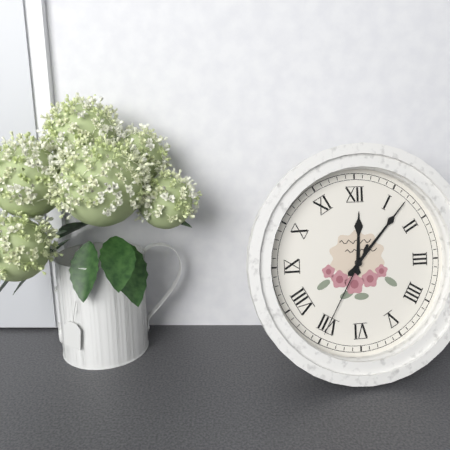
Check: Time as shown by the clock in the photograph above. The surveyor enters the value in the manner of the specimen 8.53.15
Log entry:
12.07.35
